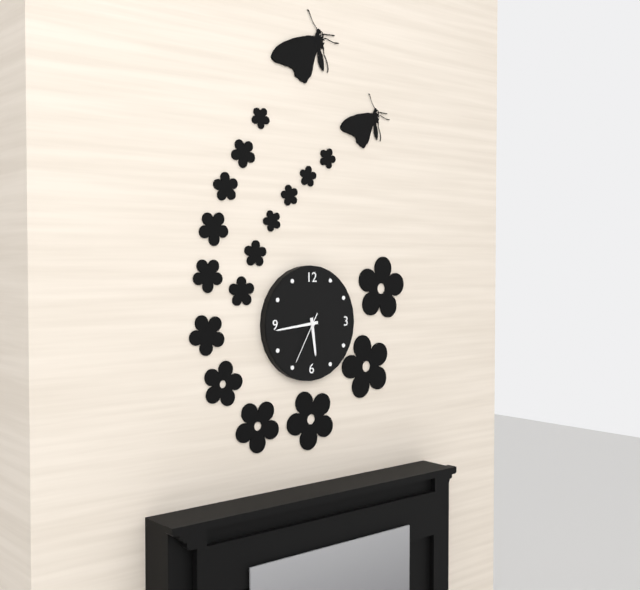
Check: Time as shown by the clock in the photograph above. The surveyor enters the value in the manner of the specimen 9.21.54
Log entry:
5.44.35
